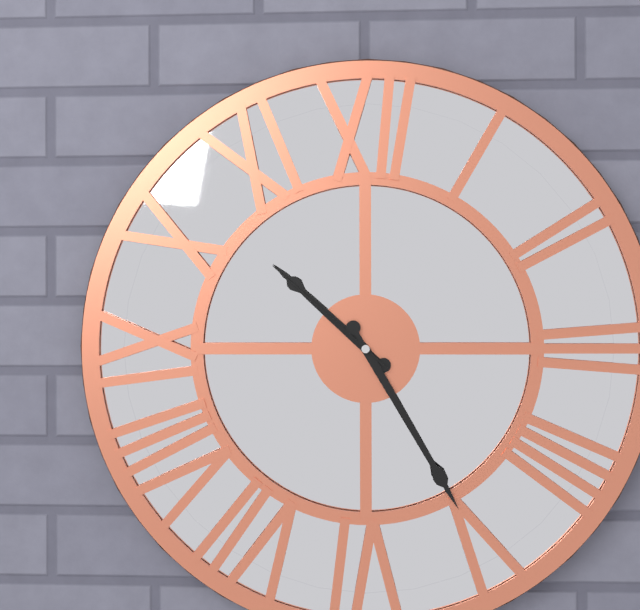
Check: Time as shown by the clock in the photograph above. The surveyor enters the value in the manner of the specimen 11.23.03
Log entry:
10.25.52
